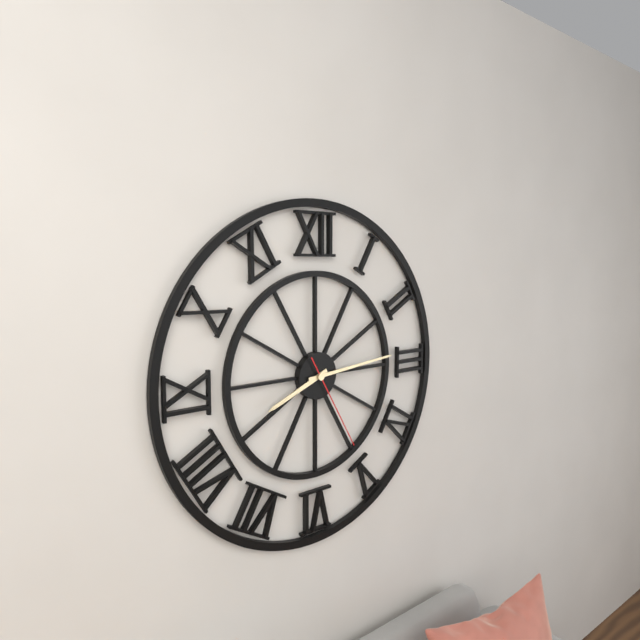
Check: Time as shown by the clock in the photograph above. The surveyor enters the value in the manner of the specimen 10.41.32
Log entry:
8.14.25
